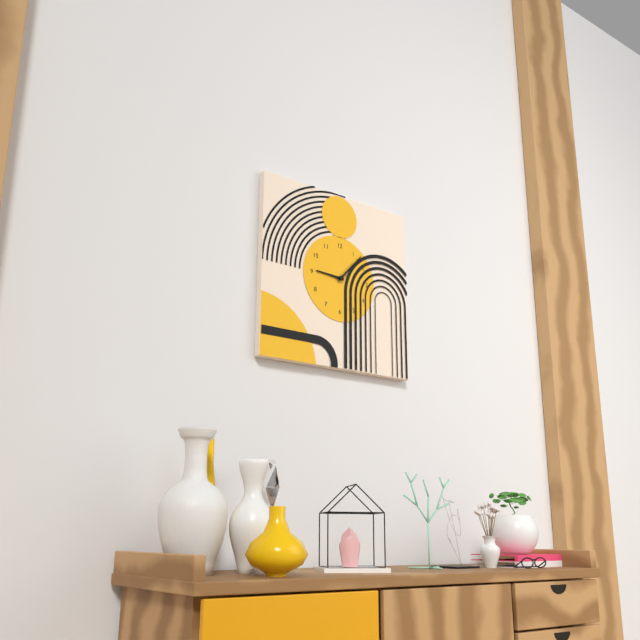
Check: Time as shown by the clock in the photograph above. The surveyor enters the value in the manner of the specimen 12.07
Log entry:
9.07
